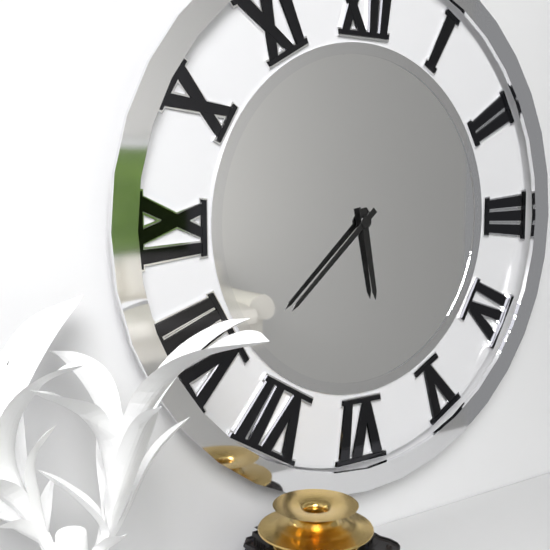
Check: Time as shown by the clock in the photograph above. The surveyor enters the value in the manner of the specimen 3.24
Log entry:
5.38
